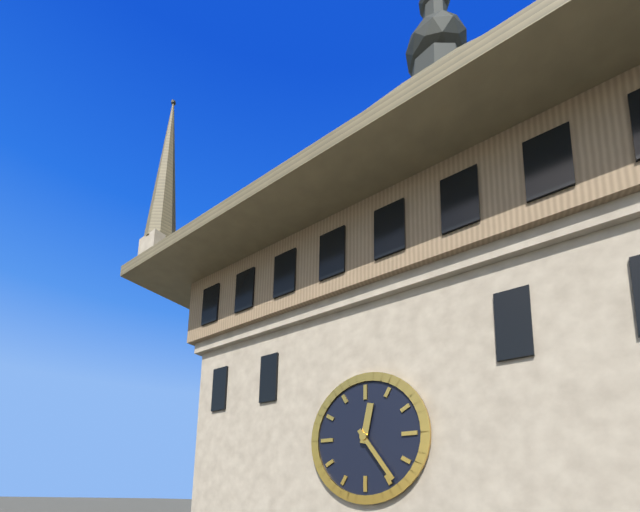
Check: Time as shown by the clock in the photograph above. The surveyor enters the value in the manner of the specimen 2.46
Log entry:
12.24
